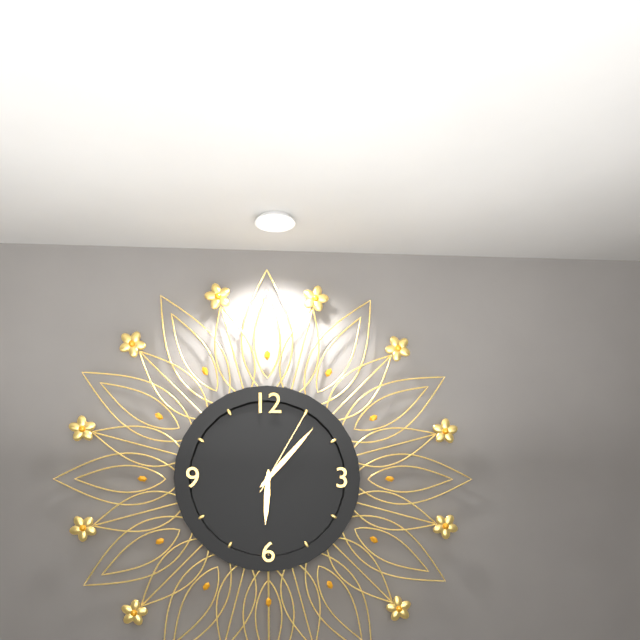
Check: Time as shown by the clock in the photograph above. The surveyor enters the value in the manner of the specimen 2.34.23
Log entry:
6.07.05
